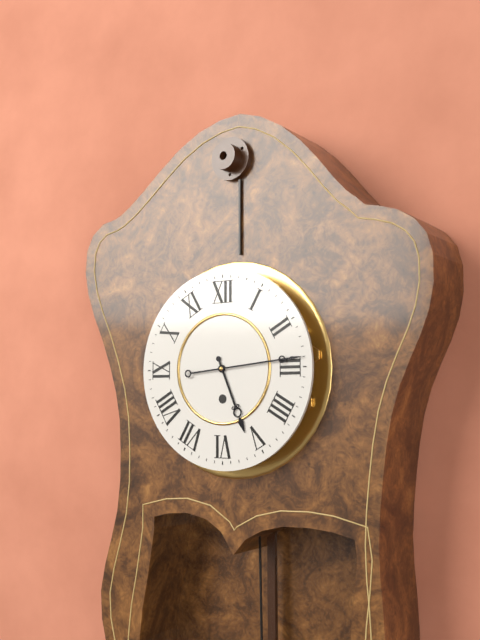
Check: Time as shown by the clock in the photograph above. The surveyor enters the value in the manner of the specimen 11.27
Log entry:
5.14
